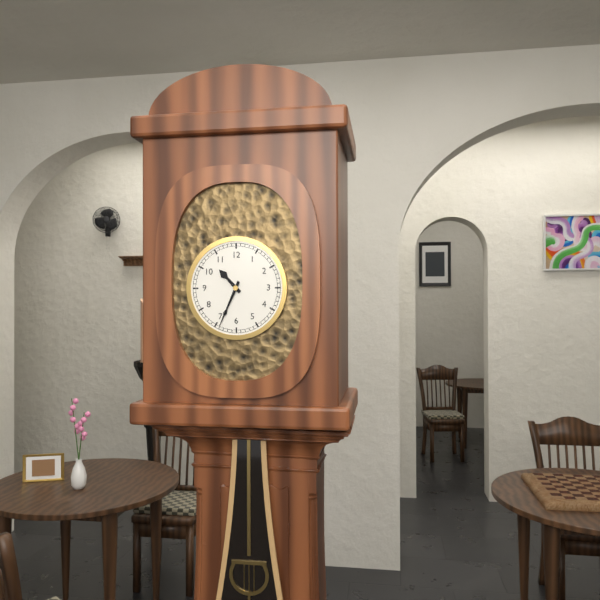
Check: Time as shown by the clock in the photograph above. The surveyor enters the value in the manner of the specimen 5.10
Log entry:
10.34
